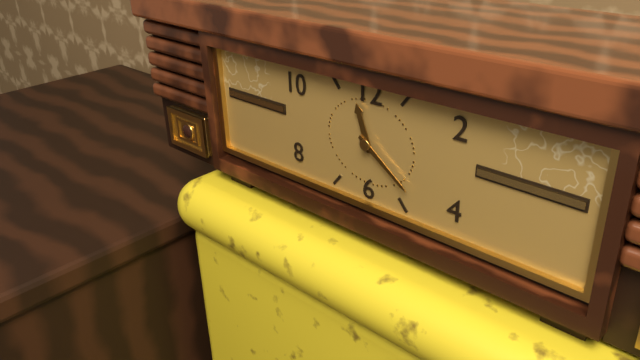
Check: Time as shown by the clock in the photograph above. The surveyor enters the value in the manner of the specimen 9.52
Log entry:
11.21
